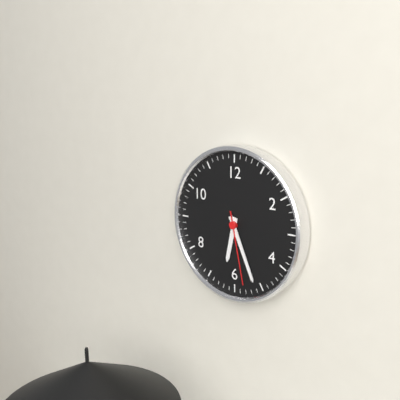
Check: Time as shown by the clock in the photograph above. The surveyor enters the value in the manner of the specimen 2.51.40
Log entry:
6.26.28
